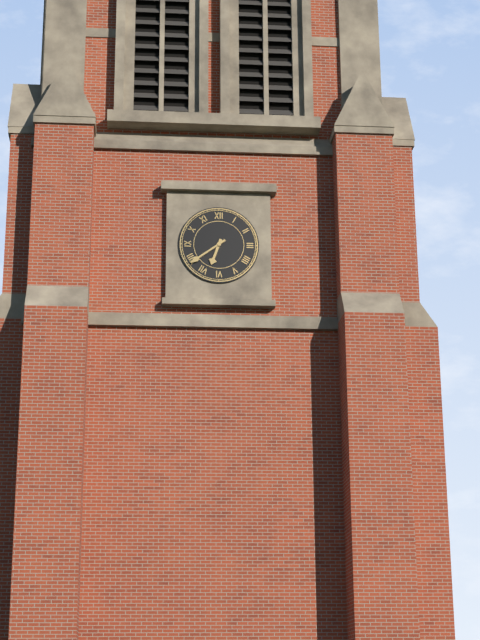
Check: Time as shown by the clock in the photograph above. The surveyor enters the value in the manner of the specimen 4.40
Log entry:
6.39
